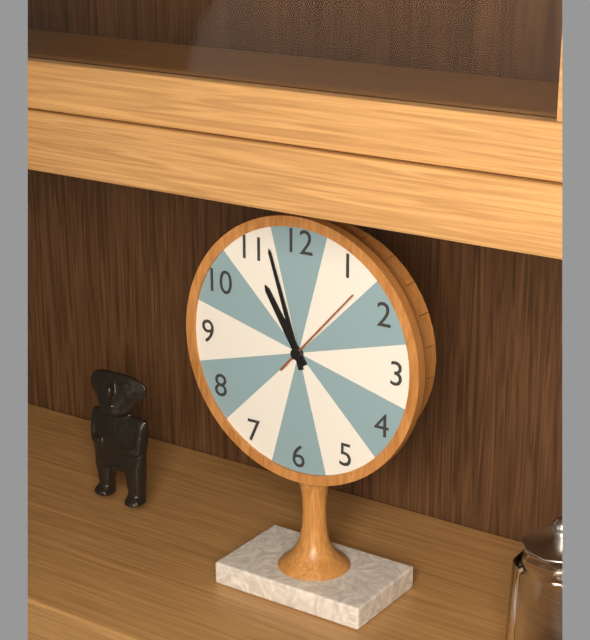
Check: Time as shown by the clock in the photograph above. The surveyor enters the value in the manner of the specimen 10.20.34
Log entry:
10.57.07
